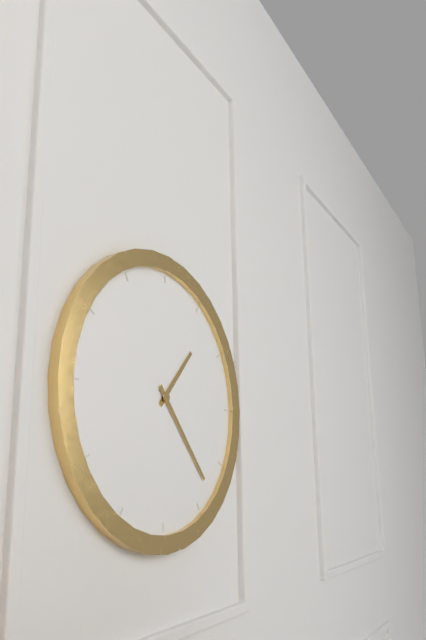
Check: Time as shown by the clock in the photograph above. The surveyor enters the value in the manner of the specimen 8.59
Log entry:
1.23
